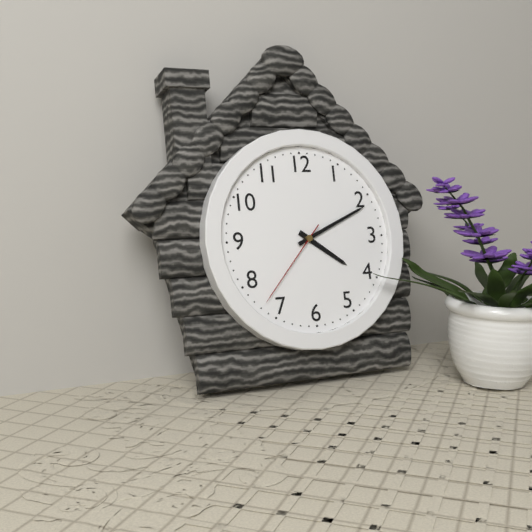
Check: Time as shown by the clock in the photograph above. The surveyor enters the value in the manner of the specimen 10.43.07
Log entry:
4.11.37
